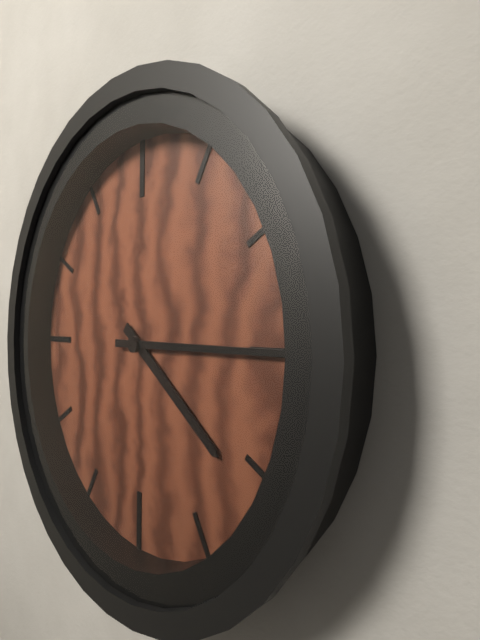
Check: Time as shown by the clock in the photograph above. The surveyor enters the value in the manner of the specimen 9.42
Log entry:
4.15
